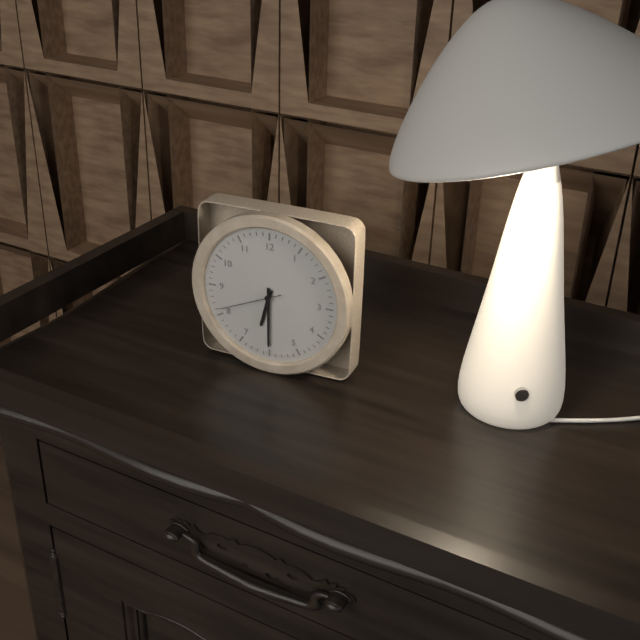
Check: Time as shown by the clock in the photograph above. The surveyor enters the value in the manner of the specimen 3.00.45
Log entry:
6.30.41
